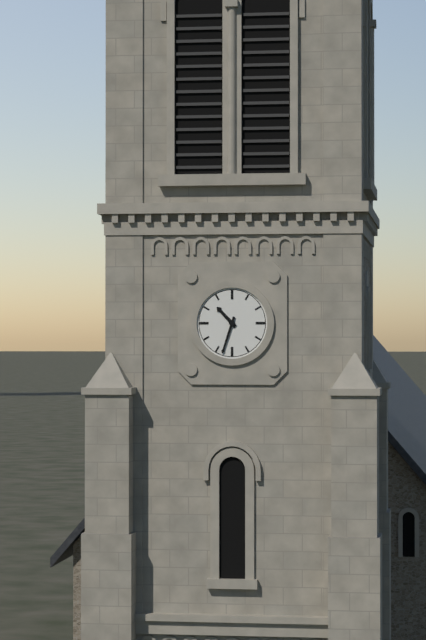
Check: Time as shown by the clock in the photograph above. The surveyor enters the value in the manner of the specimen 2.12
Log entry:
10.33
